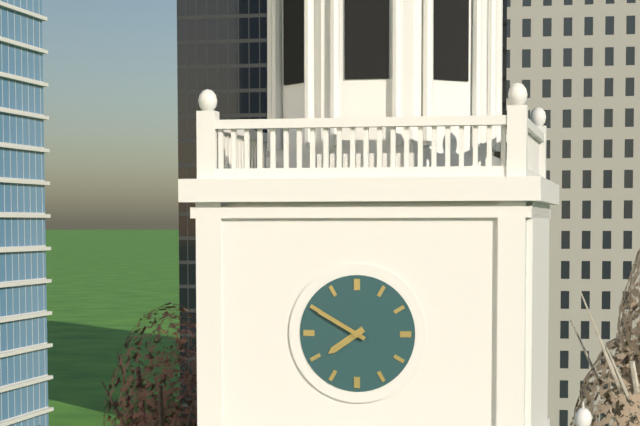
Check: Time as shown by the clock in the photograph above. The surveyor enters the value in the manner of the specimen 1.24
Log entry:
7.50
